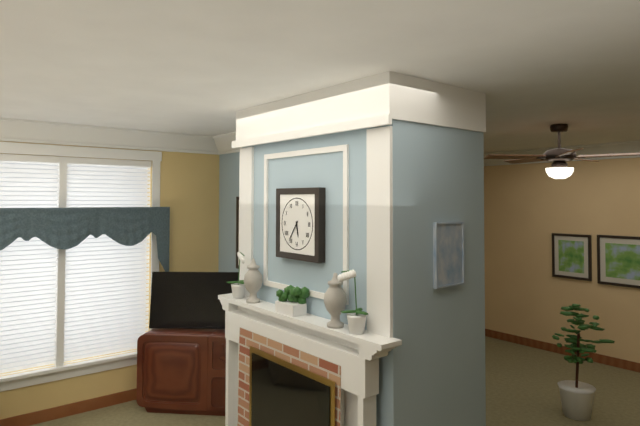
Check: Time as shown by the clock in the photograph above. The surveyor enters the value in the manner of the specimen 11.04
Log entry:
5.36
